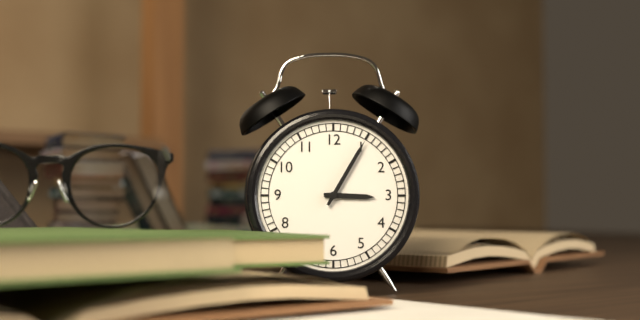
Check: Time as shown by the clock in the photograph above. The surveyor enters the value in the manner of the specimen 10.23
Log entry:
3.05
